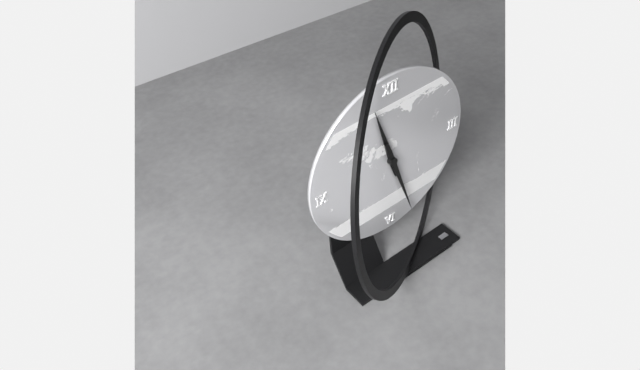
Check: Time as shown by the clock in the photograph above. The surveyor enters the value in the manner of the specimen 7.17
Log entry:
11.27
